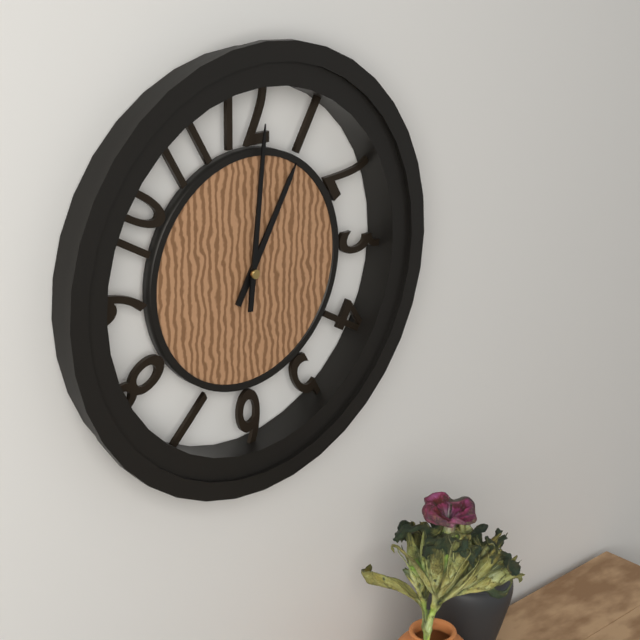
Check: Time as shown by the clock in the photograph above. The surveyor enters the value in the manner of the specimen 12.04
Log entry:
1.01
